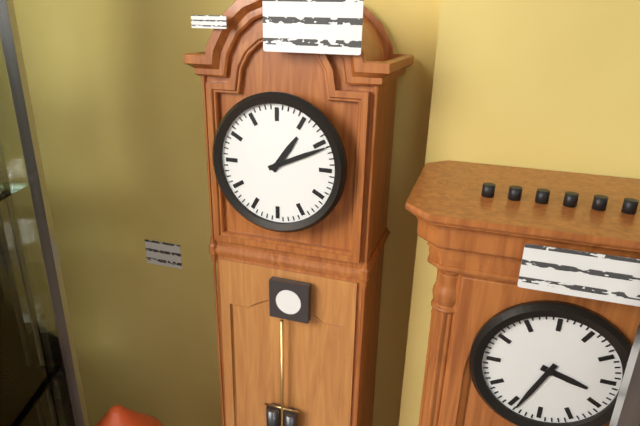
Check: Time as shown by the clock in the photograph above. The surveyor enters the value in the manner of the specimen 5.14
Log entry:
1.11
